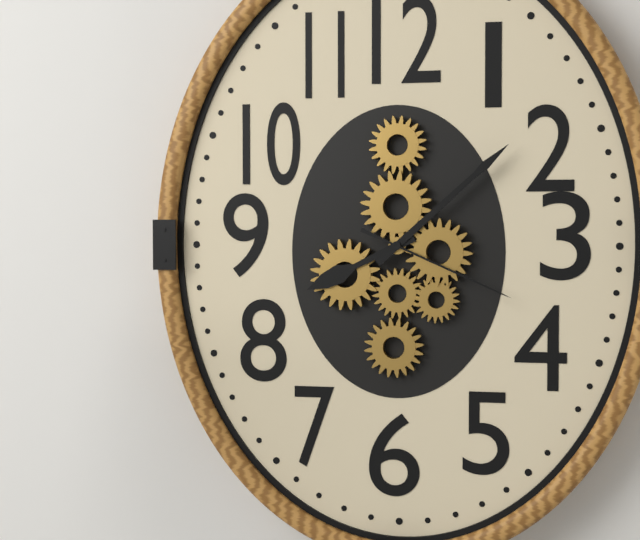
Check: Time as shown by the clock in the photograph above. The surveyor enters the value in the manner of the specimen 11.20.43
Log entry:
8.08.19
